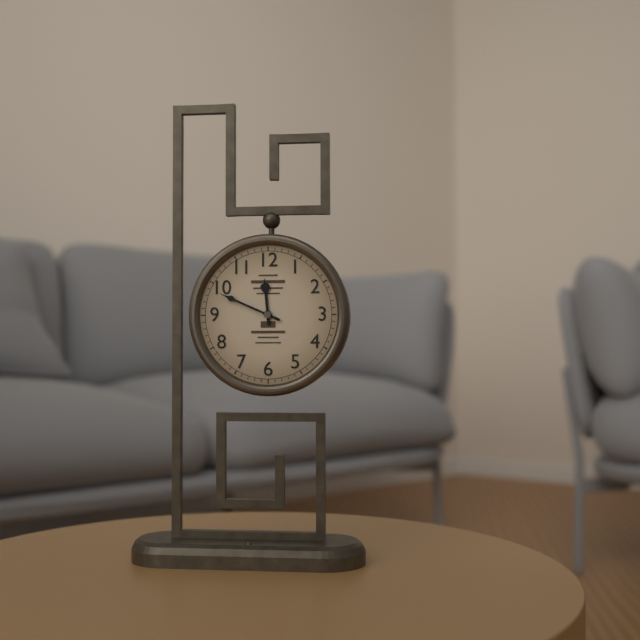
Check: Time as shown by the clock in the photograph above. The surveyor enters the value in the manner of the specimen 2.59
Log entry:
11.49
